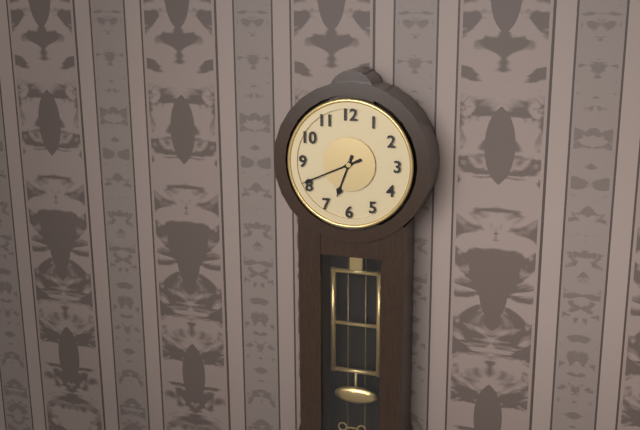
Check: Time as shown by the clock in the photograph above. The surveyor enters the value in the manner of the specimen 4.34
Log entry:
6.41
